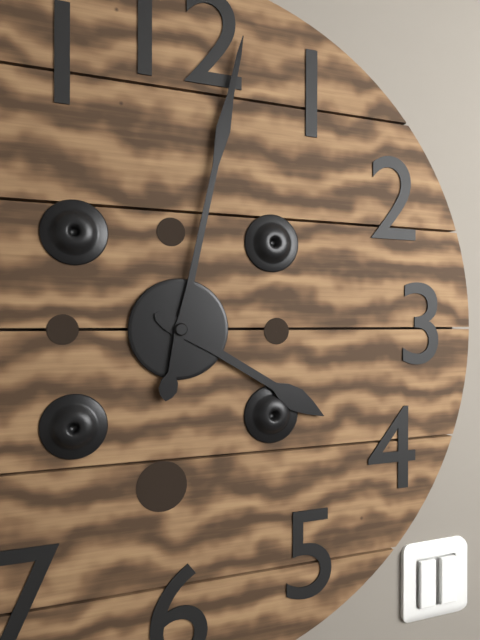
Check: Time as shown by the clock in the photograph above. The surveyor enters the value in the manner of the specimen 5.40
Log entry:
4.02
